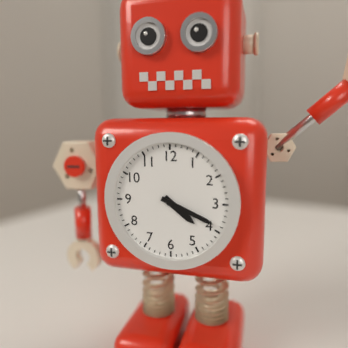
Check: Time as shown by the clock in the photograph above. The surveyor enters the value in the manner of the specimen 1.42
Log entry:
4.19
